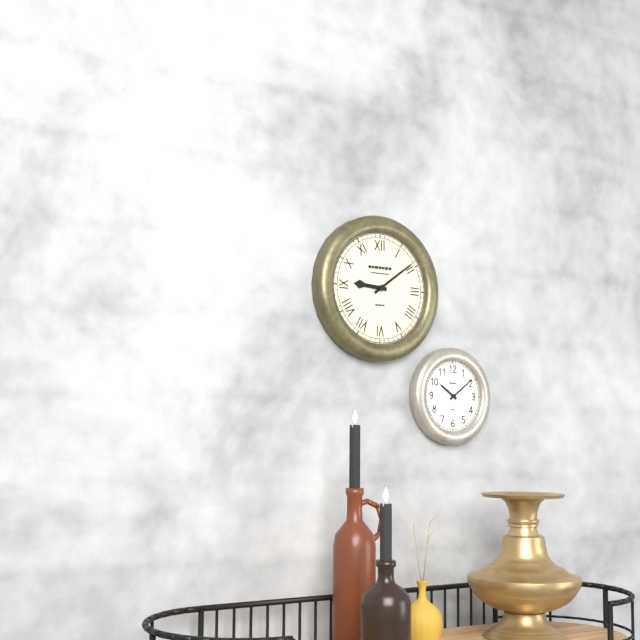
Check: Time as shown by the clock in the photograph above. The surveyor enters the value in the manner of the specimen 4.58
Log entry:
9.09
